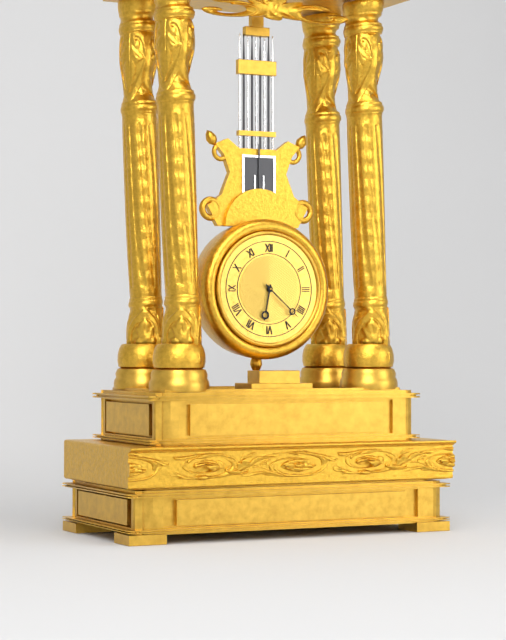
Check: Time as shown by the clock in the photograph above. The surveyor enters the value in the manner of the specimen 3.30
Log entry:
6.22
